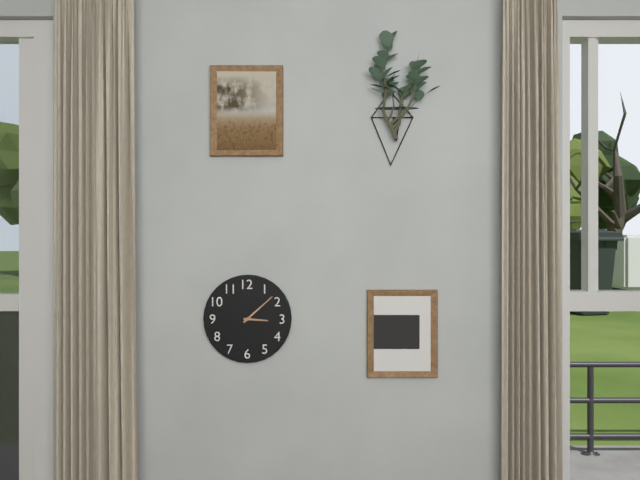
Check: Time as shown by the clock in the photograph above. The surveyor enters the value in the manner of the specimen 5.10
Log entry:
3.08
